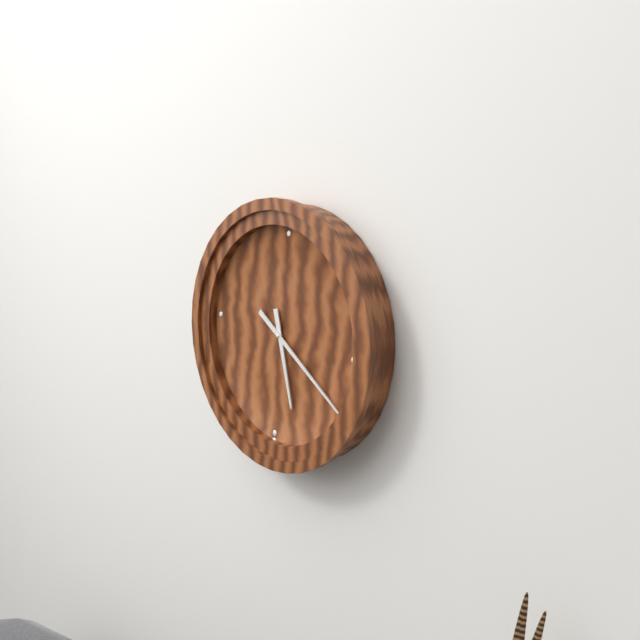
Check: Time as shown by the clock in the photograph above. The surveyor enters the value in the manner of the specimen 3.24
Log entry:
5.20
